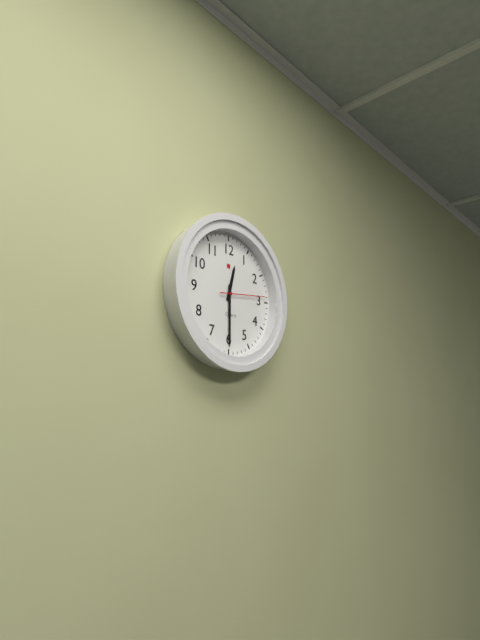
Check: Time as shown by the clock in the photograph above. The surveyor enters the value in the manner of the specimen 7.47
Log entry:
12.30
